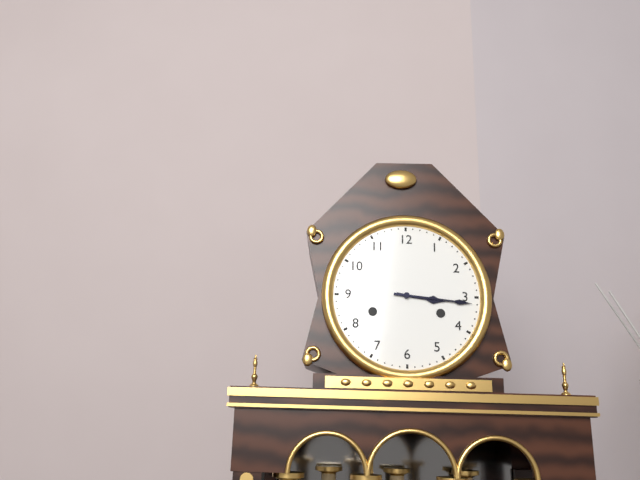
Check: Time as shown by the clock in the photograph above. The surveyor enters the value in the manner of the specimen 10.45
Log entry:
3.16
